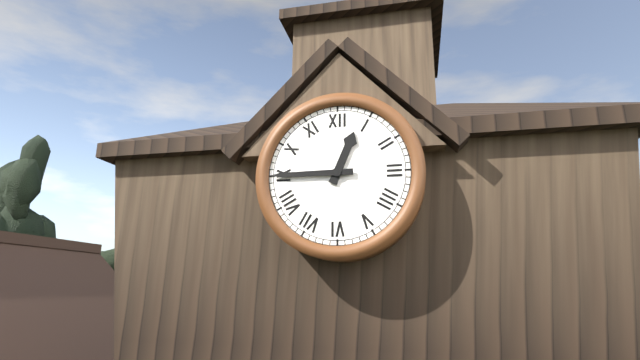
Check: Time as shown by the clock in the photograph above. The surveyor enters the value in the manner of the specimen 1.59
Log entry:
12.45
